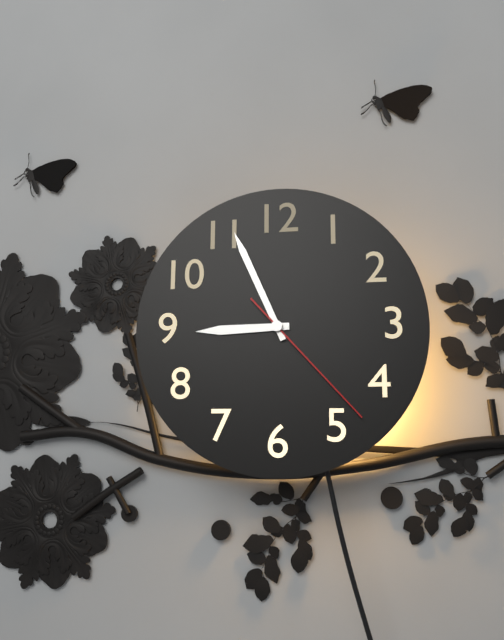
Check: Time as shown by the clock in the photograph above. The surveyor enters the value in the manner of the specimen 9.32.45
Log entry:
8.56.23
